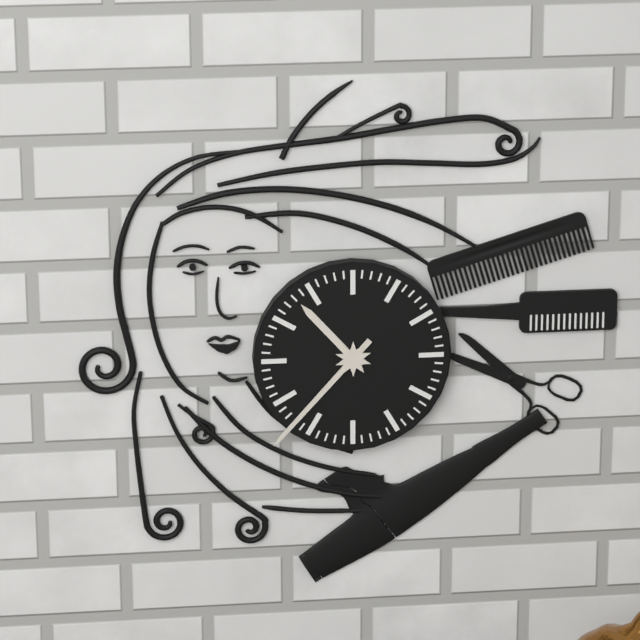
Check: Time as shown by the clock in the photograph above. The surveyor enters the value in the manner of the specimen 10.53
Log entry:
10.37
